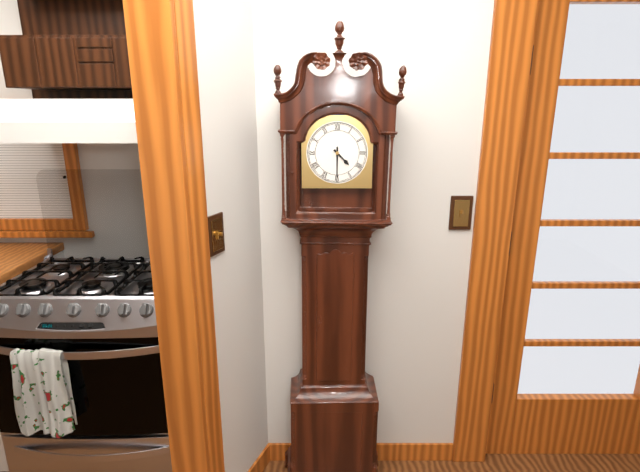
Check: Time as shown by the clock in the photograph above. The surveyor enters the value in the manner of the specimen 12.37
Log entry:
4.30
